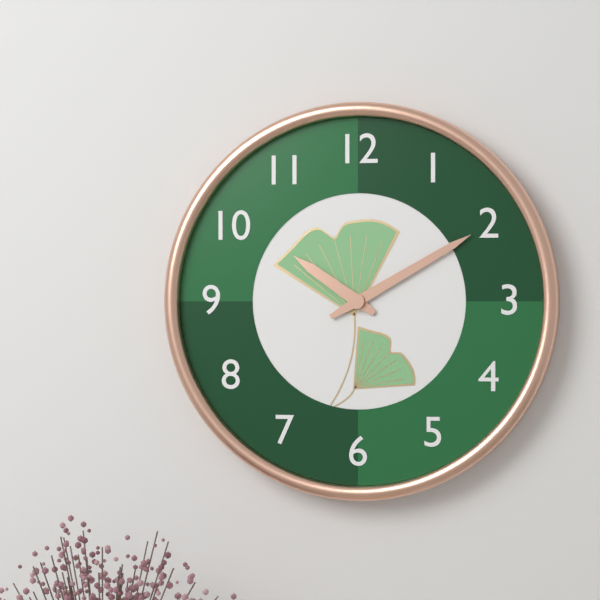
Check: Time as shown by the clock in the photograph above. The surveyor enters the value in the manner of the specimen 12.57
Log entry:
10.10
